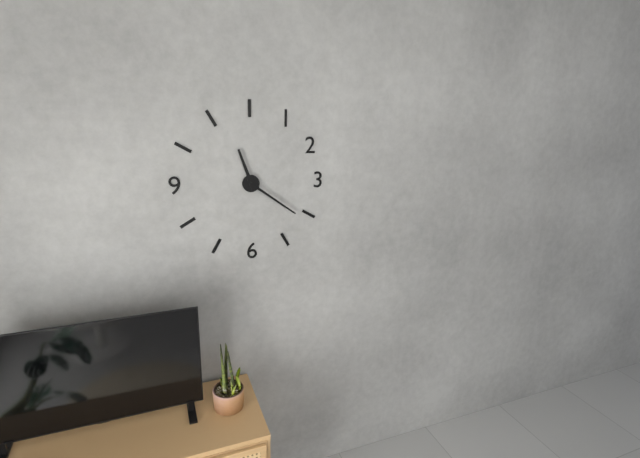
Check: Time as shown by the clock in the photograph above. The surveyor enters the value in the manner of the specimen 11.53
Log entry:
11.21
